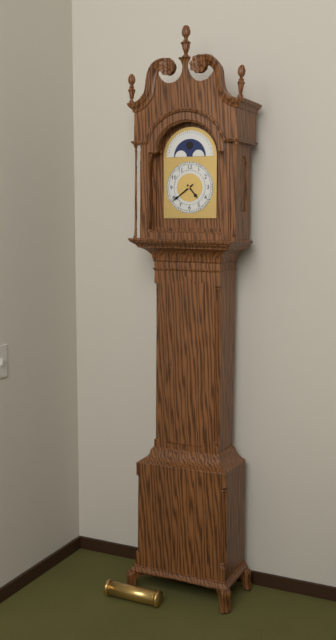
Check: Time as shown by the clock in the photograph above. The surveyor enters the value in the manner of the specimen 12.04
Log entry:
4.39
